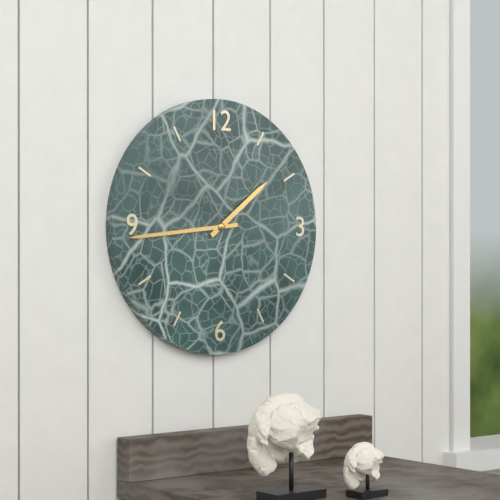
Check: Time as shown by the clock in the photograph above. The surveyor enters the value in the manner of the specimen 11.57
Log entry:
1.44
